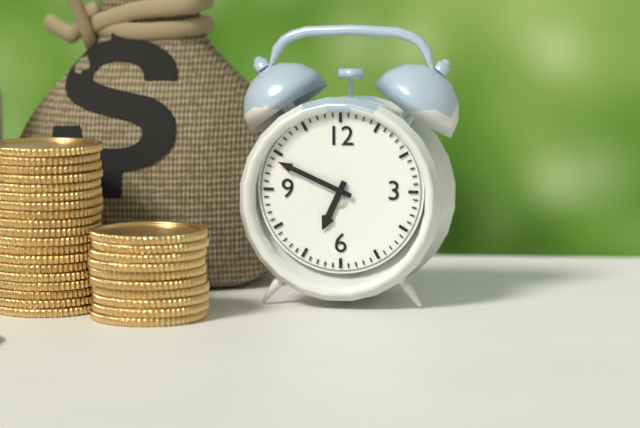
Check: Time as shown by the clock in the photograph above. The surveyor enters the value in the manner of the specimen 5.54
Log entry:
6.49
